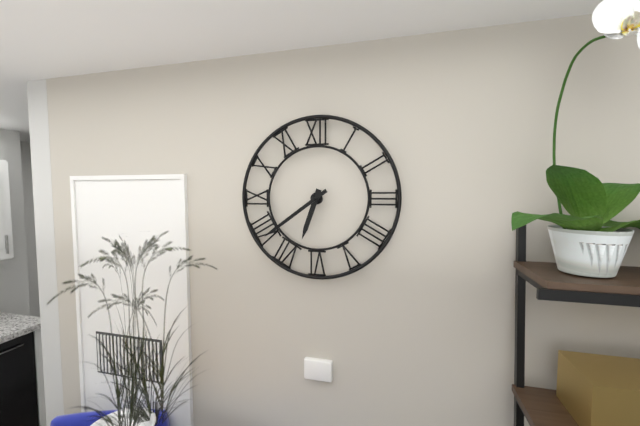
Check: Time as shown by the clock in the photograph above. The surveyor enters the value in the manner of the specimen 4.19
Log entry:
6.39
